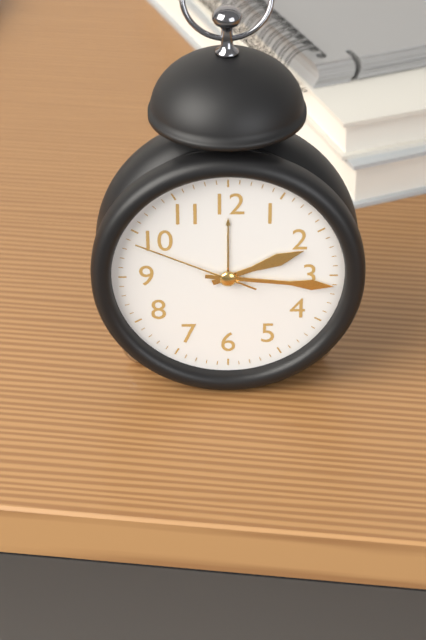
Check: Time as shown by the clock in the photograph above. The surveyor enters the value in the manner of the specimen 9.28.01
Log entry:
2.16.49
